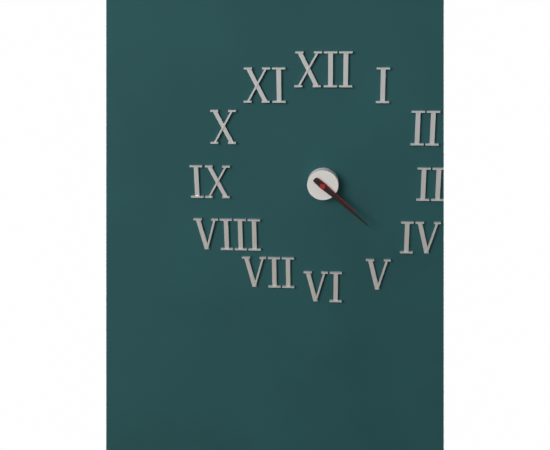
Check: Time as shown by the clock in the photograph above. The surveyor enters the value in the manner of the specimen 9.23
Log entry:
4.22
